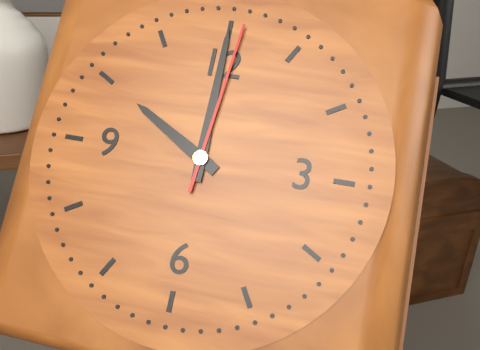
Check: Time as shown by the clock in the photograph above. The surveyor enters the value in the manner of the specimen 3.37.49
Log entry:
10.00.01
